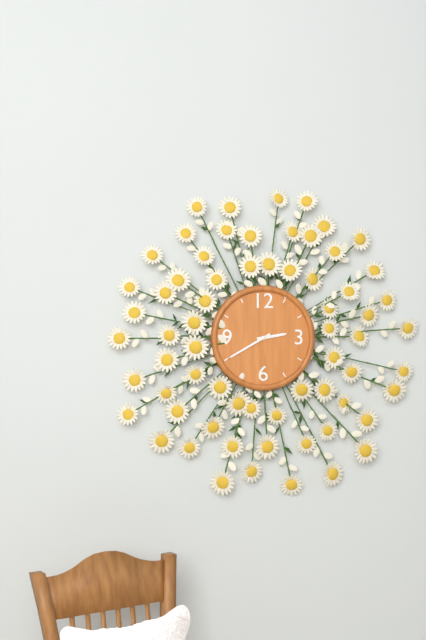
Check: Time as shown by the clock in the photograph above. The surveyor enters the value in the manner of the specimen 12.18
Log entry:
2.40
